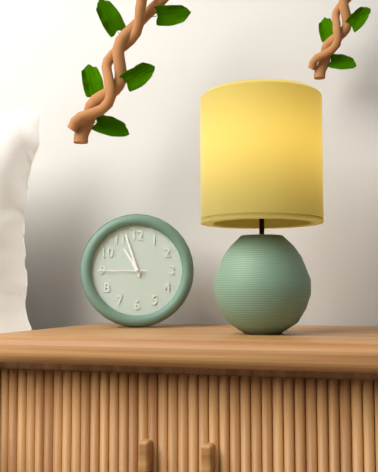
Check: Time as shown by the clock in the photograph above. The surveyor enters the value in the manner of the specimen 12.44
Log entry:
10.57
